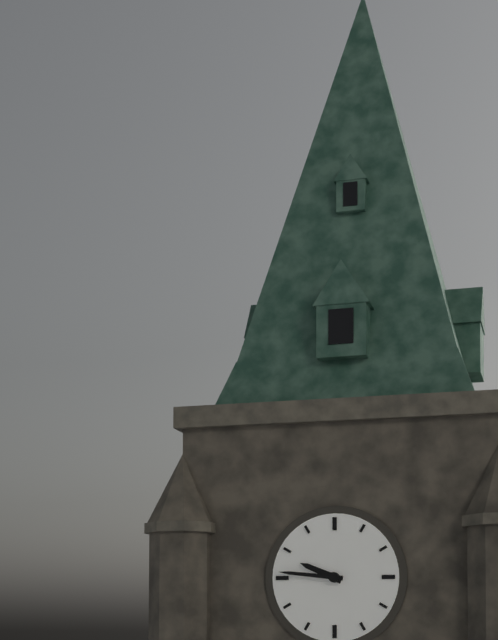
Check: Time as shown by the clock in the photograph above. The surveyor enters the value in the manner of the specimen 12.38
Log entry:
9.46
